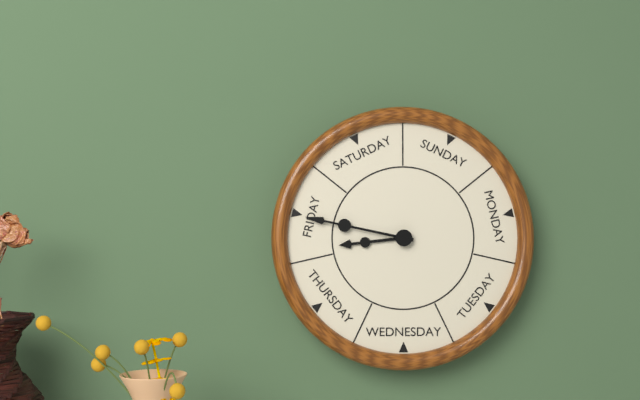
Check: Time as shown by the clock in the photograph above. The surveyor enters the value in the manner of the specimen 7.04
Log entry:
8.47
